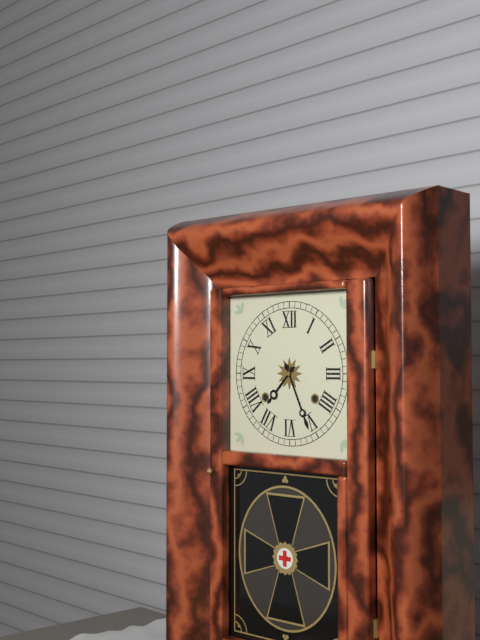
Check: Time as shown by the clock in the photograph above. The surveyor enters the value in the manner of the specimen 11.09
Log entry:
7.26
